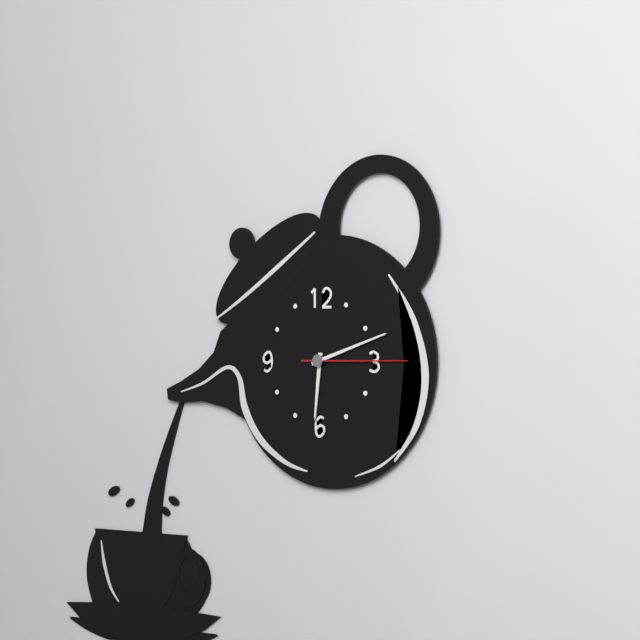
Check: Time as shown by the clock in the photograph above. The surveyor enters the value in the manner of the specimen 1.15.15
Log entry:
6.12.15
